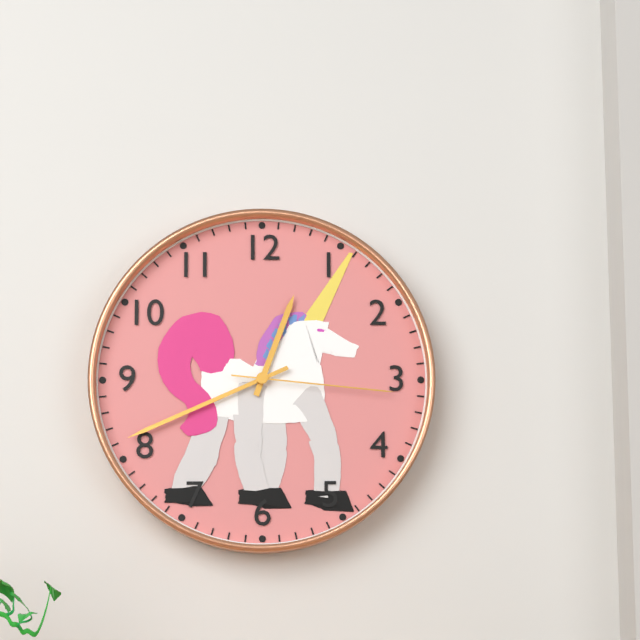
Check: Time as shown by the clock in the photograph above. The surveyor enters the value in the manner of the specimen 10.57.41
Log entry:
12.41.16
